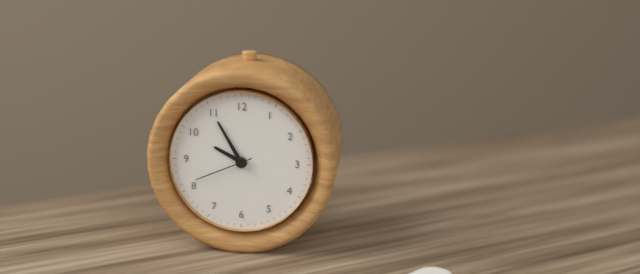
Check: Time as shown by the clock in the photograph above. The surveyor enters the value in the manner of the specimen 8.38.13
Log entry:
9.55.41
